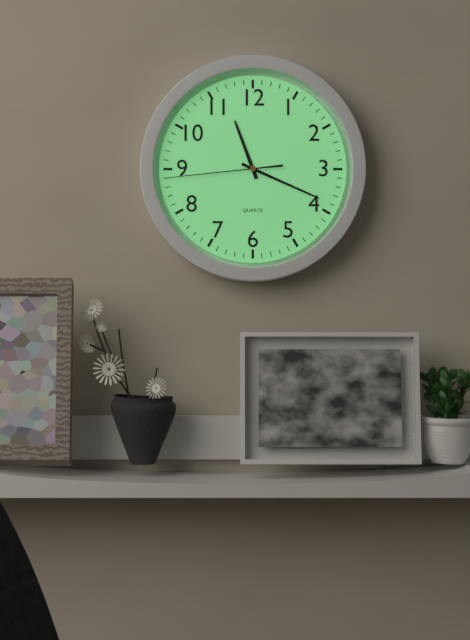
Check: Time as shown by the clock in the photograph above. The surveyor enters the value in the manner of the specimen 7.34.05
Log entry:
11.19.44
